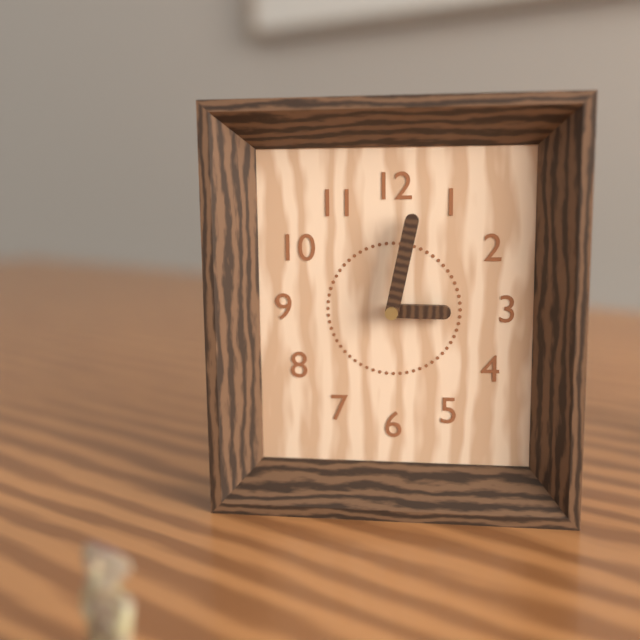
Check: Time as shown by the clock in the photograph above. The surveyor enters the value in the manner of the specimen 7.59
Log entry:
3.02
